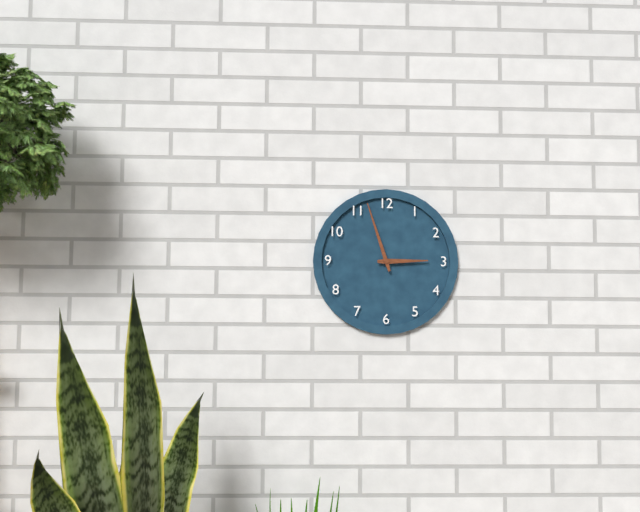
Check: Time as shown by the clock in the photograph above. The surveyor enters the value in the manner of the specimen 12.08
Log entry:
2.57
